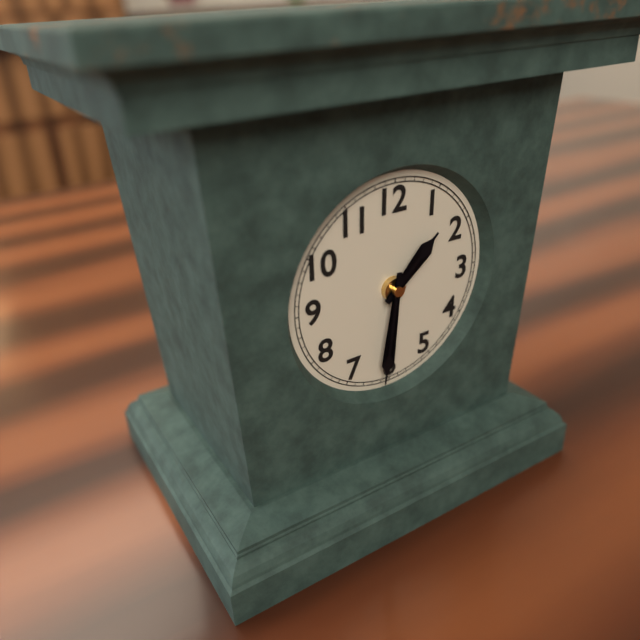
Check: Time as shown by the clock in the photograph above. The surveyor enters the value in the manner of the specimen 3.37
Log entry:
1.31
